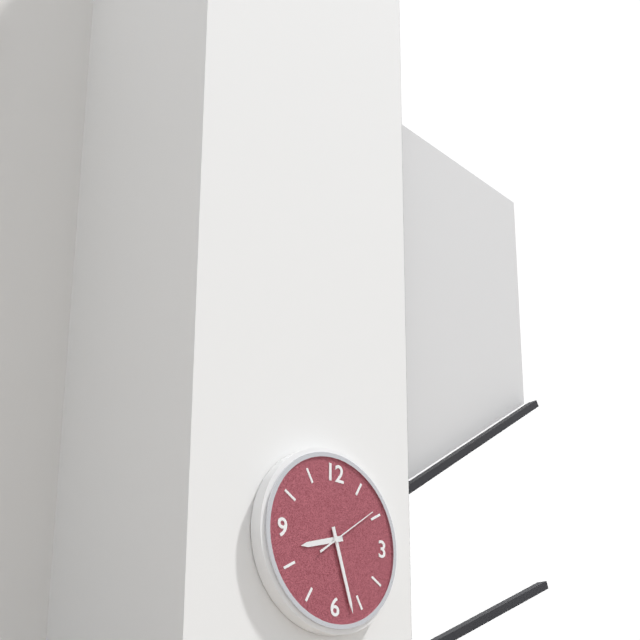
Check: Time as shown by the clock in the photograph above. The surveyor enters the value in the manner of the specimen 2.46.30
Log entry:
8.27.09
